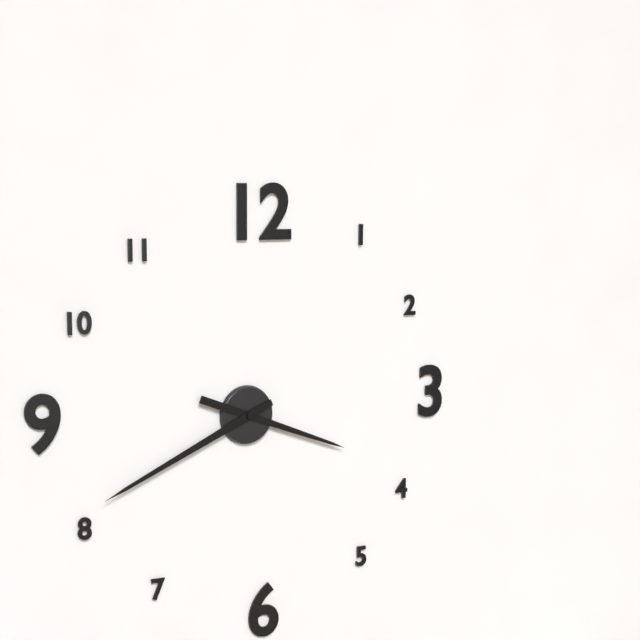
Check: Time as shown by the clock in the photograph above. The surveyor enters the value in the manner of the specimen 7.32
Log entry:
3.41
